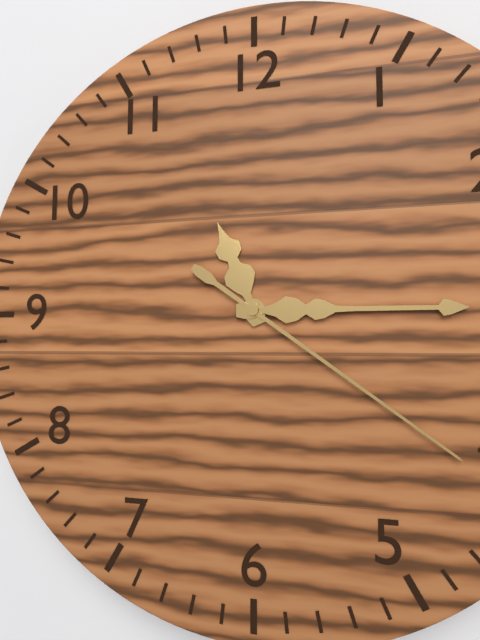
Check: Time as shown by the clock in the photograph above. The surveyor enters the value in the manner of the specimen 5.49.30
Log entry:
11.15.21
